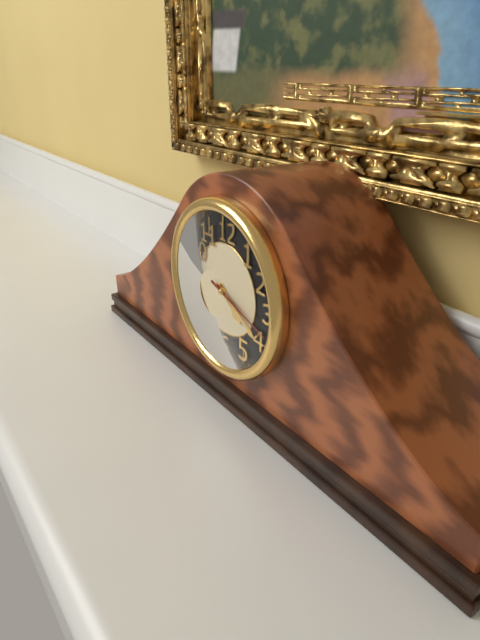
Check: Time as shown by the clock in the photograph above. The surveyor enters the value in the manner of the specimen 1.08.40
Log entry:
4.20.18
